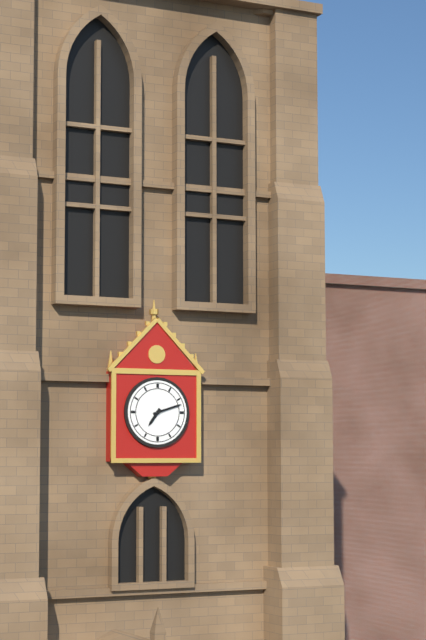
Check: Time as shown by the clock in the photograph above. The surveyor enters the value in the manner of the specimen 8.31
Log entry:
7.12
